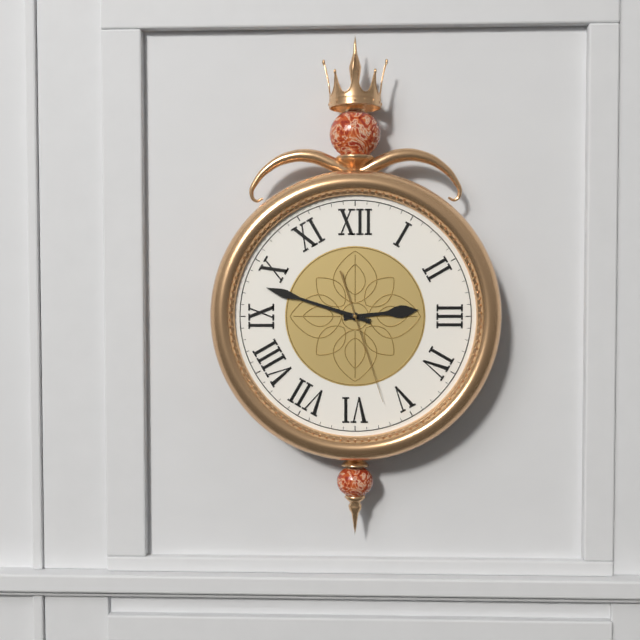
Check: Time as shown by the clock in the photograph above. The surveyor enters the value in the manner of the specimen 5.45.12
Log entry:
2.48.27
